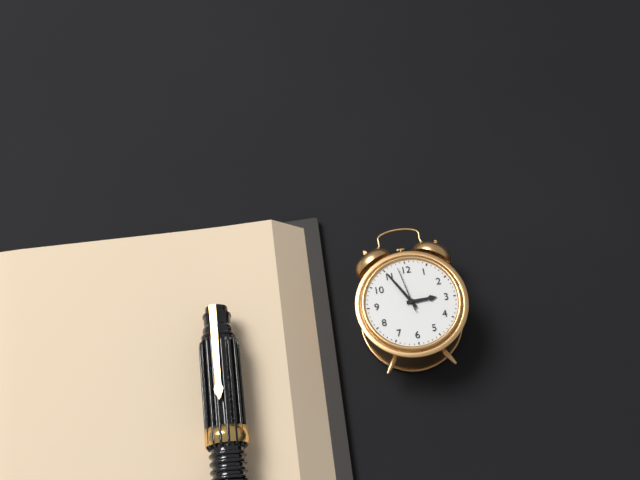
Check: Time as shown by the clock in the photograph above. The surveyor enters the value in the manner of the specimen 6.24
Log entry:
2.55
